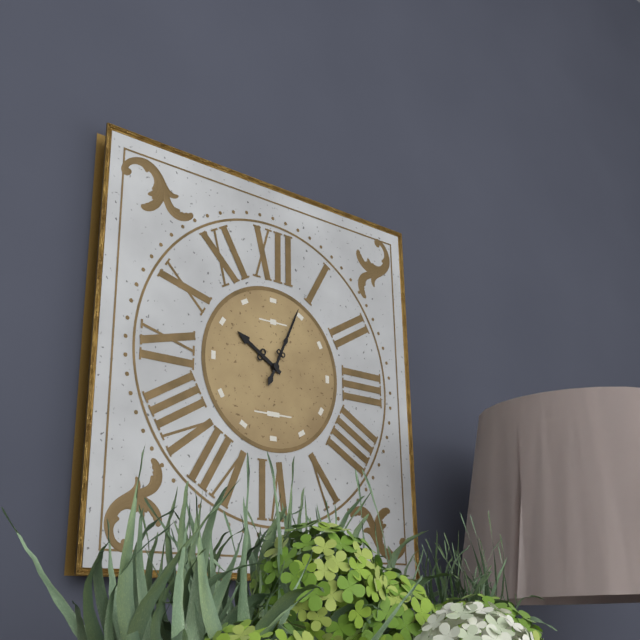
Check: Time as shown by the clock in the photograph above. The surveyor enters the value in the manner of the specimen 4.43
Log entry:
10.04
